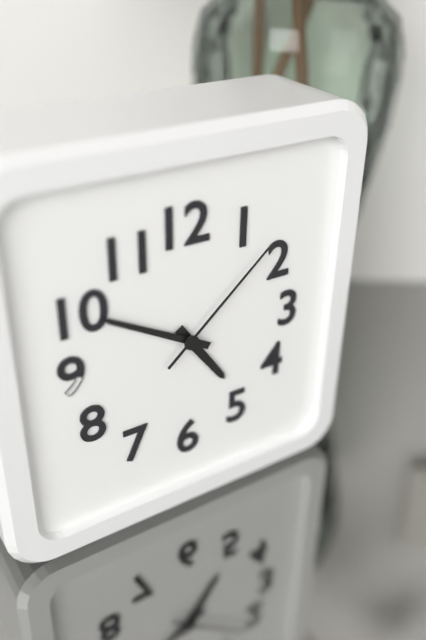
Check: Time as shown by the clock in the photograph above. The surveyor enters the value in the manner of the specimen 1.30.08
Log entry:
4.50.08
